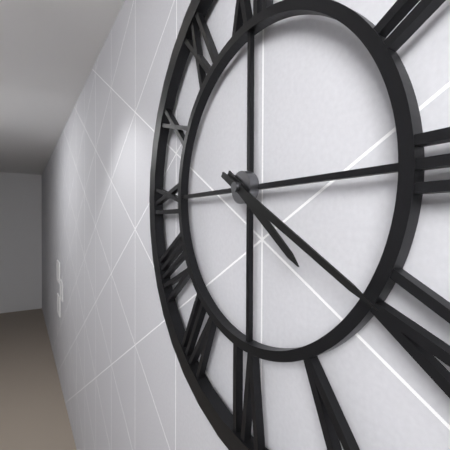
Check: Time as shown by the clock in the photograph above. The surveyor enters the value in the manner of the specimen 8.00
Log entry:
4.20
